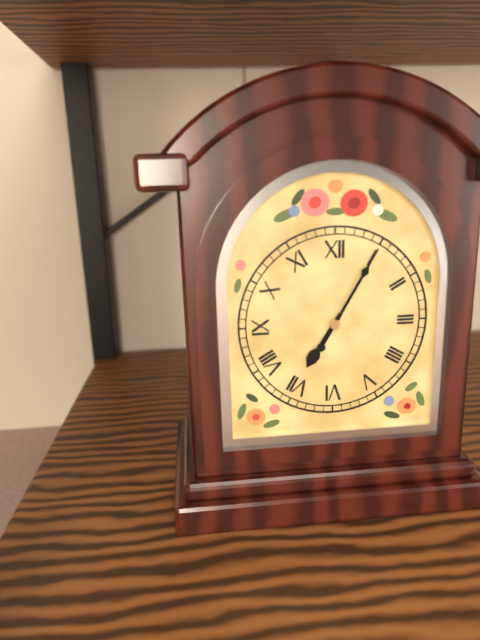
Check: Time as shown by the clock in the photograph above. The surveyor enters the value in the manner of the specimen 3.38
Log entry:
7.05
